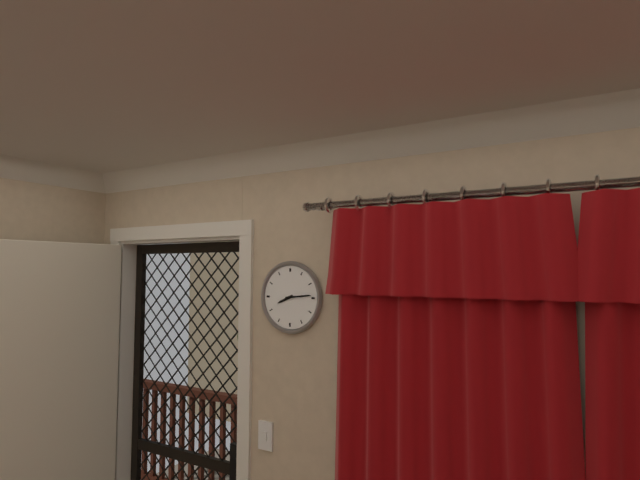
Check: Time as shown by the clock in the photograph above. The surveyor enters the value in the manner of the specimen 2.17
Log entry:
8.14
